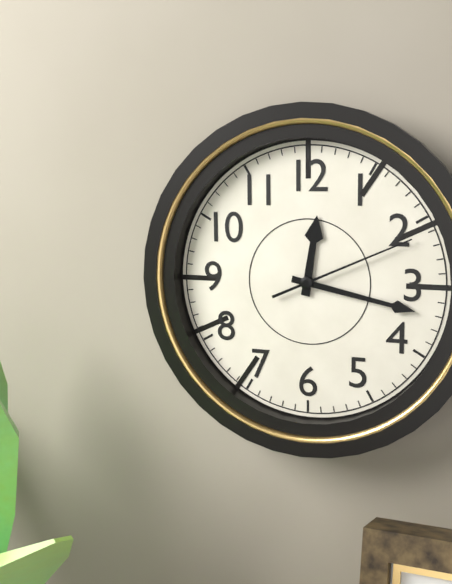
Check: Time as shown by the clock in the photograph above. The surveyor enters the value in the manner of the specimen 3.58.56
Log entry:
12.17.11
